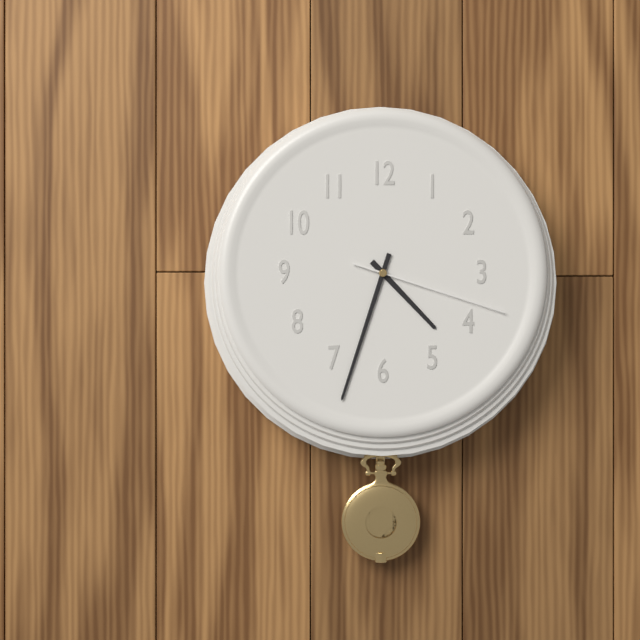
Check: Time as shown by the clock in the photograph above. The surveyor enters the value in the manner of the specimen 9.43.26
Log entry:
4.33.18
